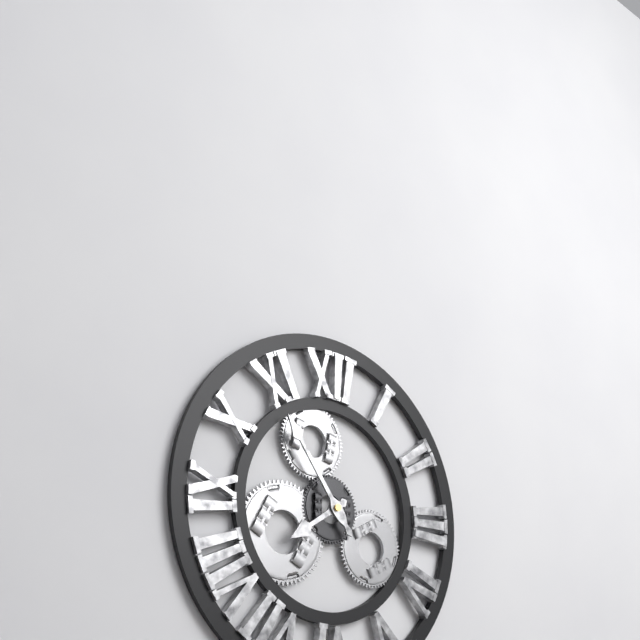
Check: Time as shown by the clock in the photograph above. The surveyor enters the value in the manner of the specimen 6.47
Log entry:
7.54
